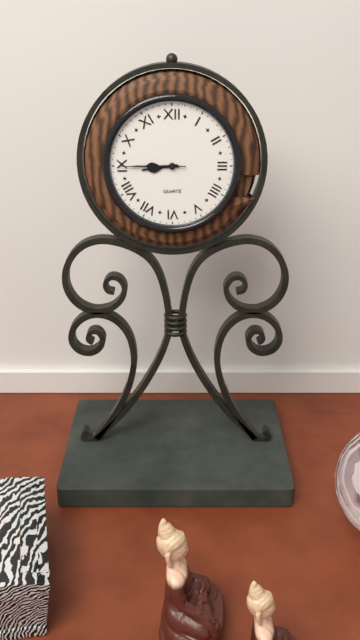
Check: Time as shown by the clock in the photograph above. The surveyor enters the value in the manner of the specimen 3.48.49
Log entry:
8.45.45
